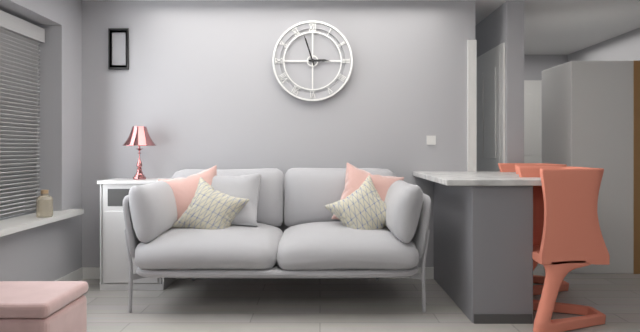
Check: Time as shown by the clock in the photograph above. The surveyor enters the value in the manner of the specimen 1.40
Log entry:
2.57
